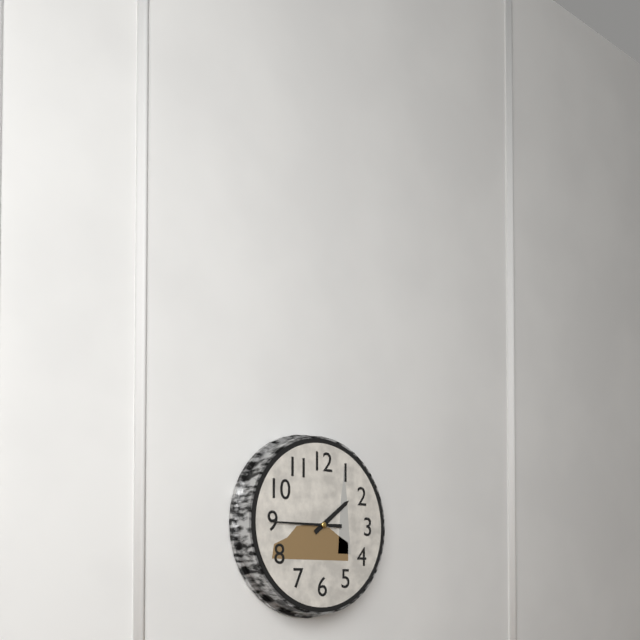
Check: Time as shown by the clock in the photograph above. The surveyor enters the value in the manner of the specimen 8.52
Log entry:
1.45
